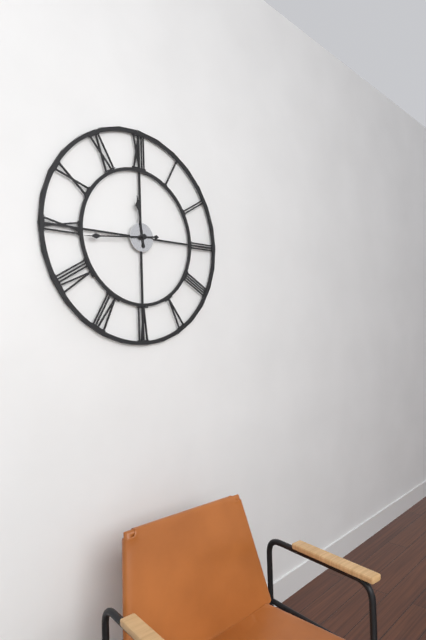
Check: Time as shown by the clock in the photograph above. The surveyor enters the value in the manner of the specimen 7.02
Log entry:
11.44
